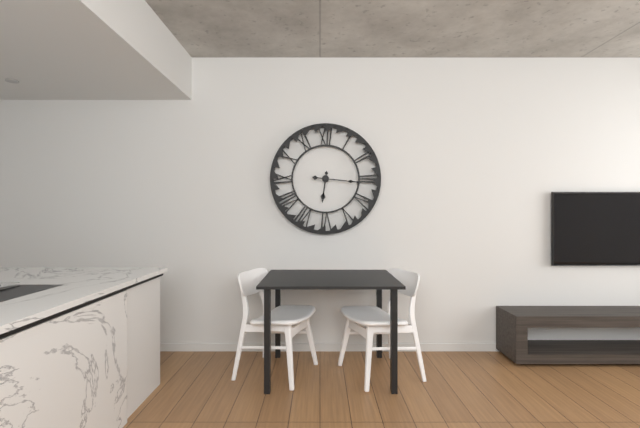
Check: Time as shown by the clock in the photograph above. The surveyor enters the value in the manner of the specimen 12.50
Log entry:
6.16
